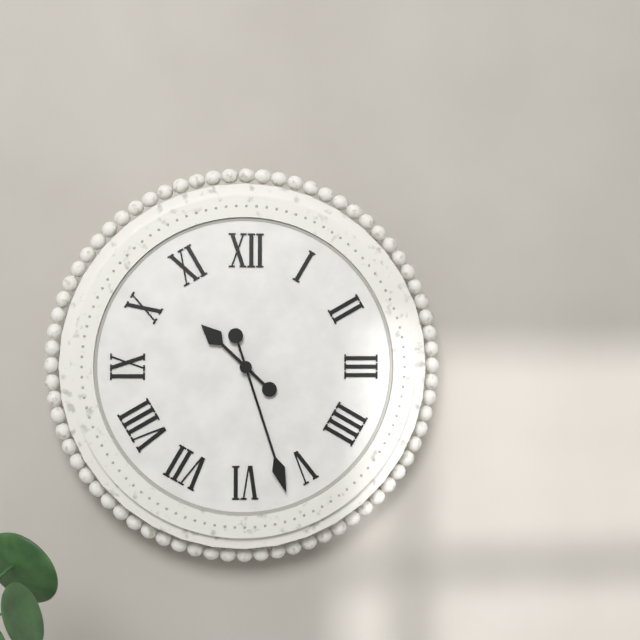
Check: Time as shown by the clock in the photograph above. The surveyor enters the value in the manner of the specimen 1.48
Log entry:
10.27
